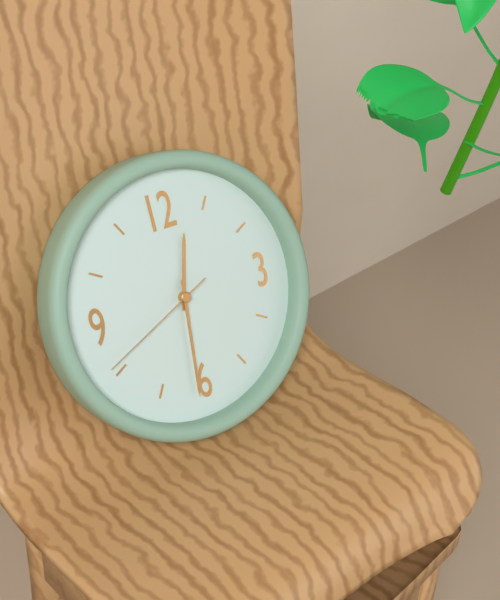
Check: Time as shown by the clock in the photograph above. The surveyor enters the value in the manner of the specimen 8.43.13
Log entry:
12.31.41
